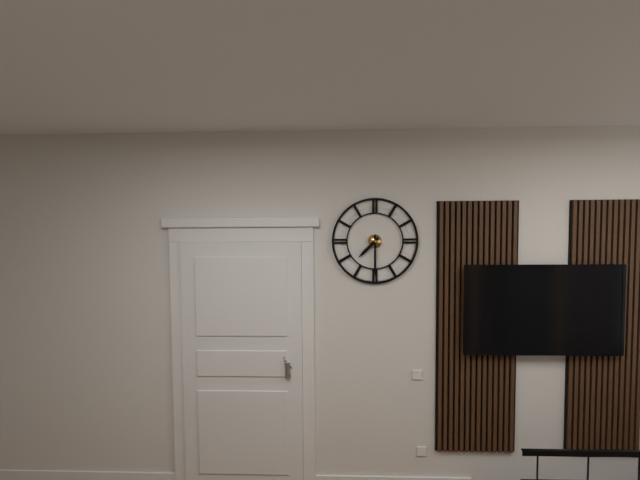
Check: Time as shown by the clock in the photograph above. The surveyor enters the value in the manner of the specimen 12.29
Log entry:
7.30
